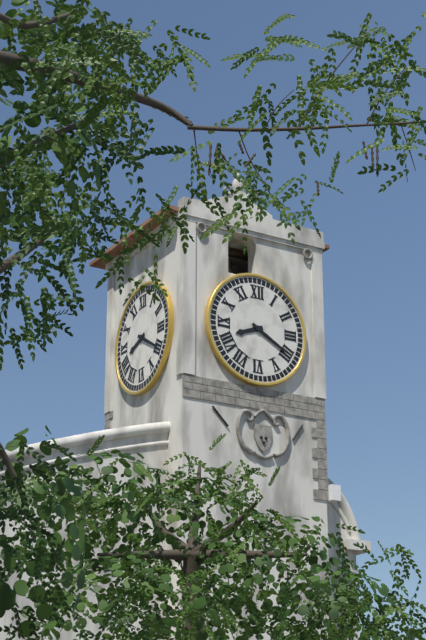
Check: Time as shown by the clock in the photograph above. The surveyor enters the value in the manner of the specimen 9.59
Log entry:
8.20
